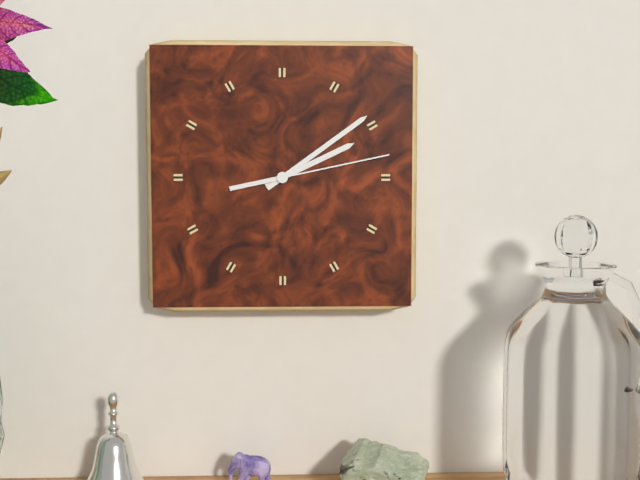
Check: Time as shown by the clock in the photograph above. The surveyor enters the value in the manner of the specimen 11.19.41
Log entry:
2.09.13
